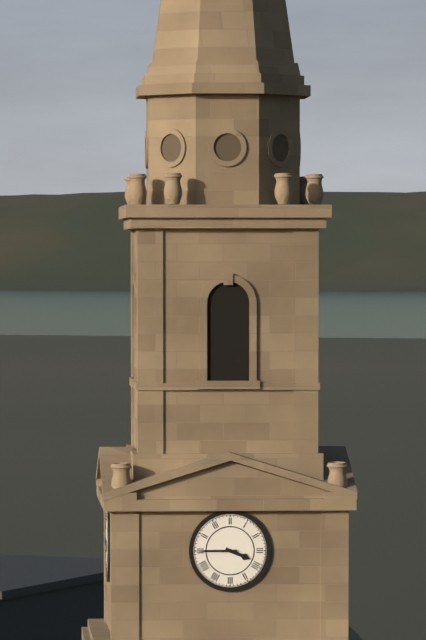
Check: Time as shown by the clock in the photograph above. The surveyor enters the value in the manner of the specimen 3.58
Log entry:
3.45
